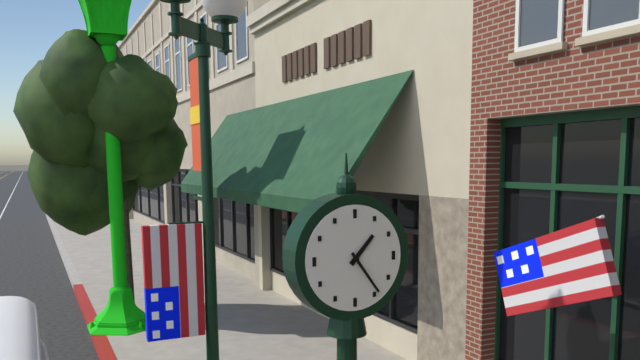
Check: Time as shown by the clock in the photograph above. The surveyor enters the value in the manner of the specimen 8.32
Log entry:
1.24
